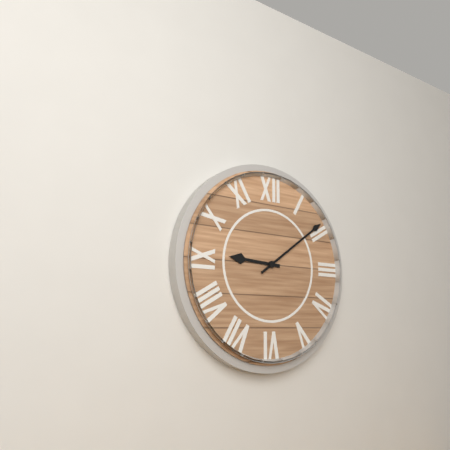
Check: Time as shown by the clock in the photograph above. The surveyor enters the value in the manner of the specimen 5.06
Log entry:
9.09
